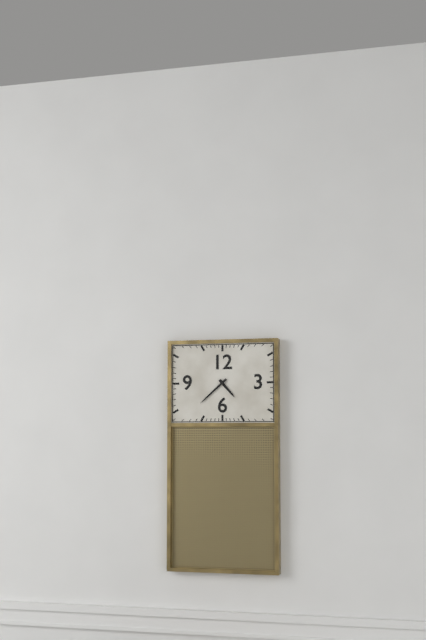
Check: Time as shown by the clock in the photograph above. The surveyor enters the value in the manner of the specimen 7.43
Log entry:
4.38
